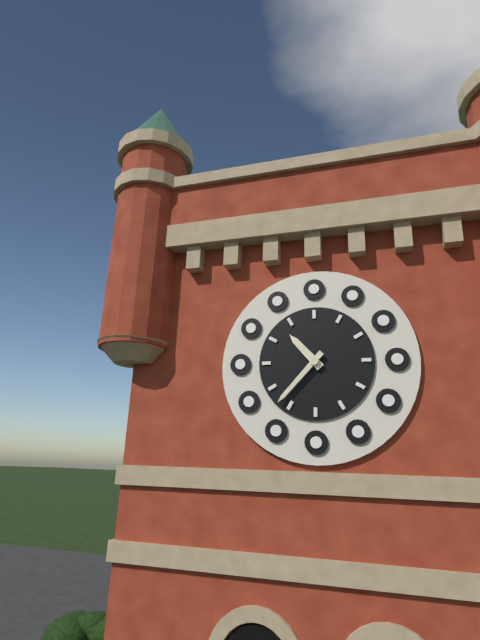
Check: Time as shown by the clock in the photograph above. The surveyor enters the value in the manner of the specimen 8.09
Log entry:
10.37
